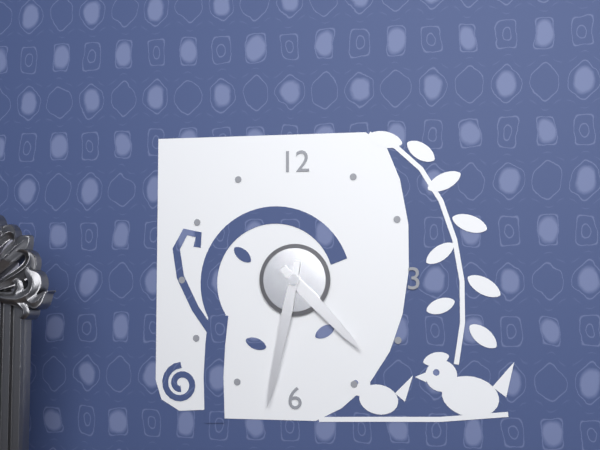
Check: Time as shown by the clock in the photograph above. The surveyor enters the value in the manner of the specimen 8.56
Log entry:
4.32
